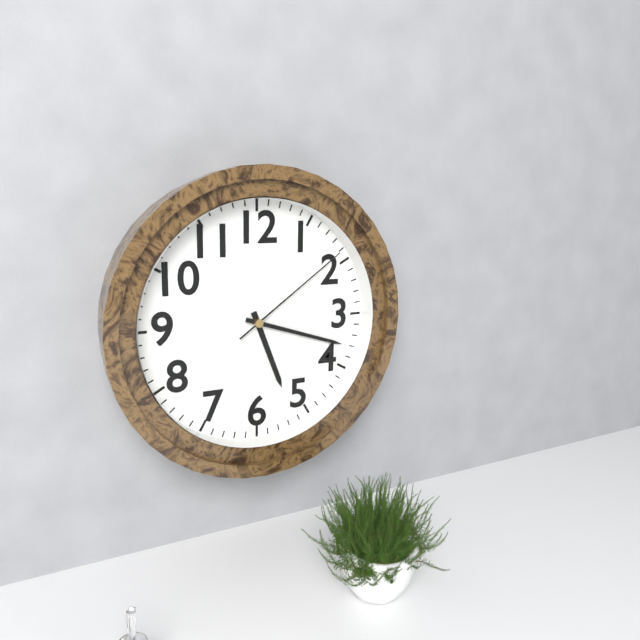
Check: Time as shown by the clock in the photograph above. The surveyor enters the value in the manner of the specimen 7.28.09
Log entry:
5.18.09
